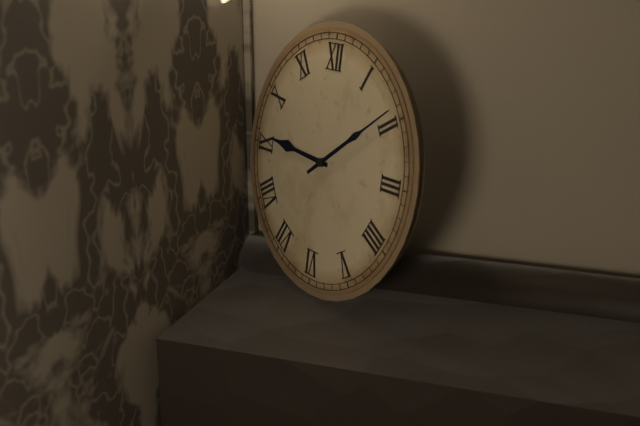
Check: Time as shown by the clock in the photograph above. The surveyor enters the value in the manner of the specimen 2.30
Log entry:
9.09
